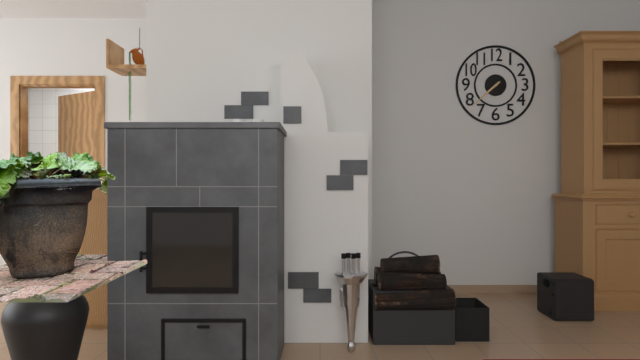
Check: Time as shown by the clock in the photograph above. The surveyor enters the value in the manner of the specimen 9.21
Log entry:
7.38
